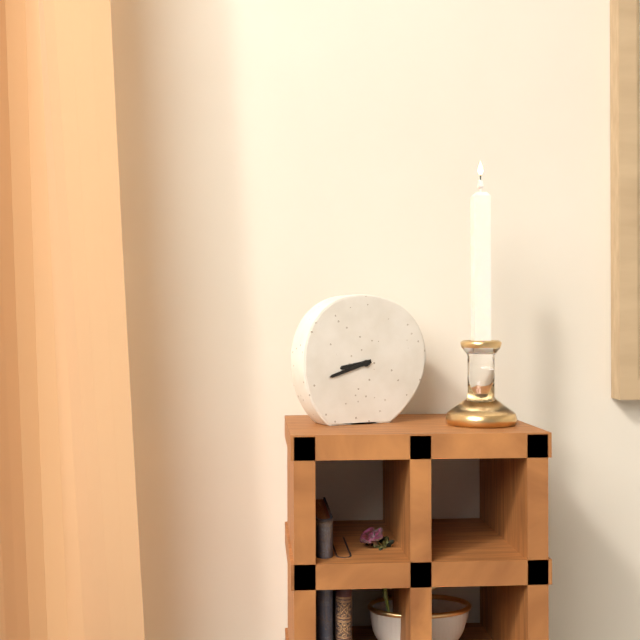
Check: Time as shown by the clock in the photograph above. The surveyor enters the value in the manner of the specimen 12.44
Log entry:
8.42
